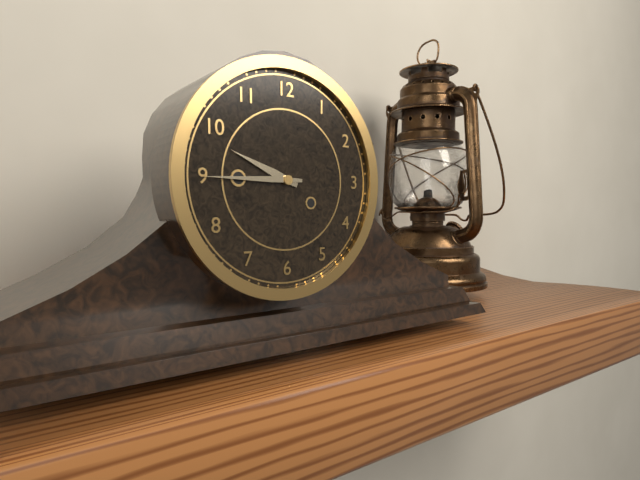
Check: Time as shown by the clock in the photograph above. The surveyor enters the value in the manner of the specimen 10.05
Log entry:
9.45
